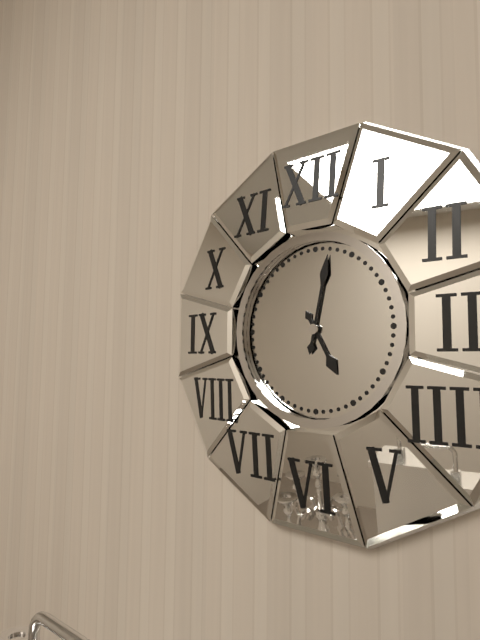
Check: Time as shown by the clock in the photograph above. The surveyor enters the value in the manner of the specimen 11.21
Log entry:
5.02
